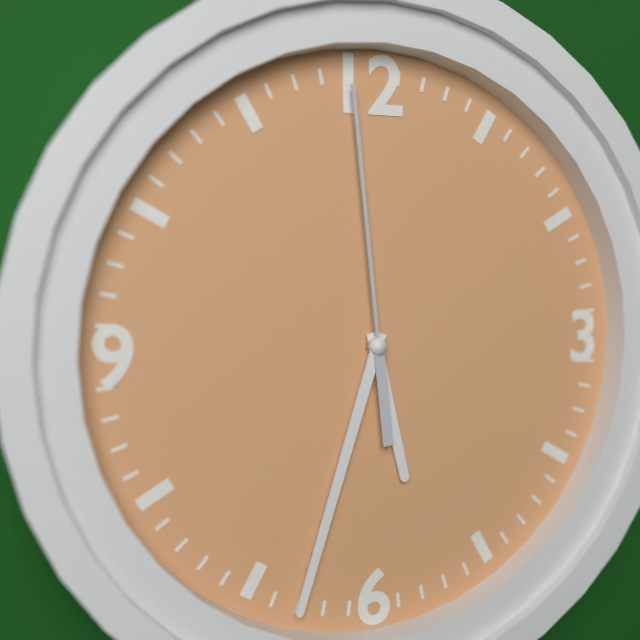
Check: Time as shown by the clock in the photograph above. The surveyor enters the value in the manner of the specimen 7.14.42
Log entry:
5.33.59
